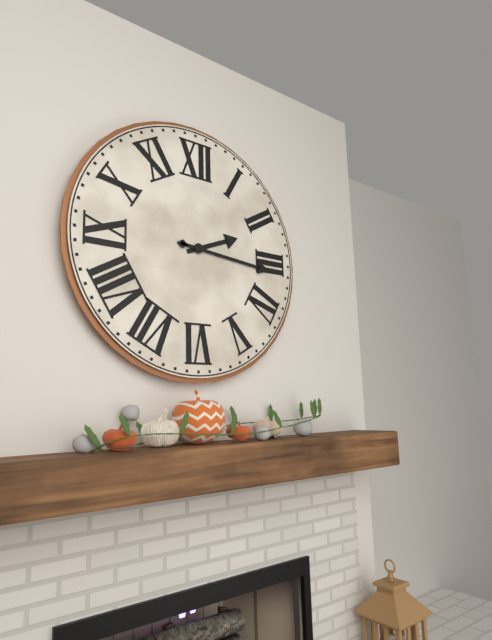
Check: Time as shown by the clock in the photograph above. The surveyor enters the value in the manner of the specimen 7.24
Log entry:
2.16
